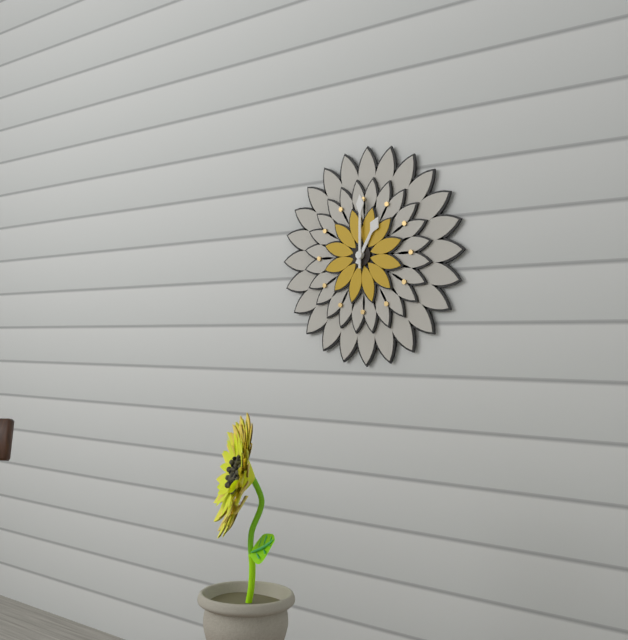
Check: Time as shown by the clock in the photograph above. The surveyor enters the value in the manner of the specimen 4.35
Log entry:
1.00
